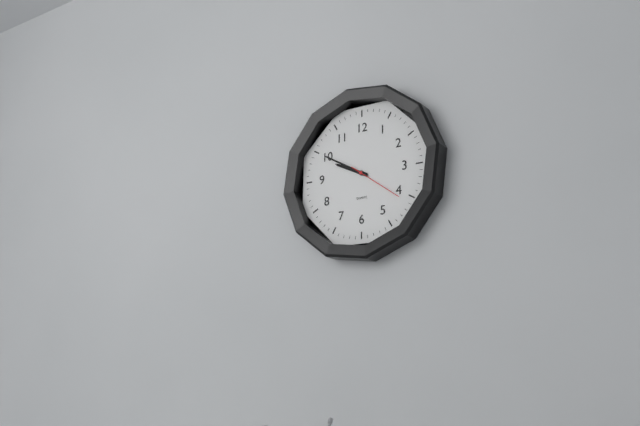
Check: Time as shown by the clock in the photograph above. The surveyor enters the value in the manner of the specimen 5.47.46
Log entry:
9.50.21
